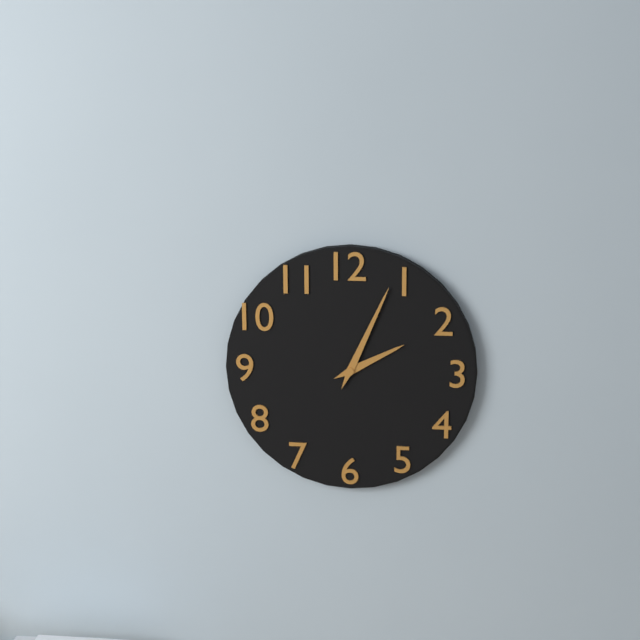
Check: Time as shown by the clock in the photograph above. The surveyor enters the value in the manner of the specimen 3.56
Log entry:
2.04
